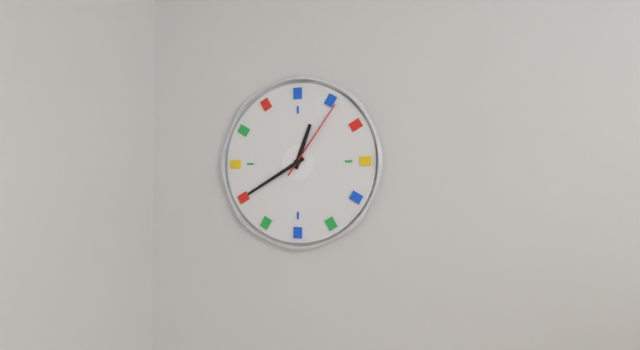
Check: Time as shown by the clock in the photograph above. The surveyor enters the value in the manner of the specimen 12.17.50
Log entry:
12.40.06
